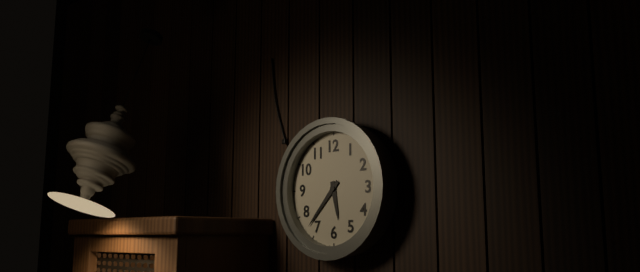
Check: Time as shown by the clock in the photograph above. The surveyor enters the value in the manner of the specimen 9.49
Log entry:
5.37
